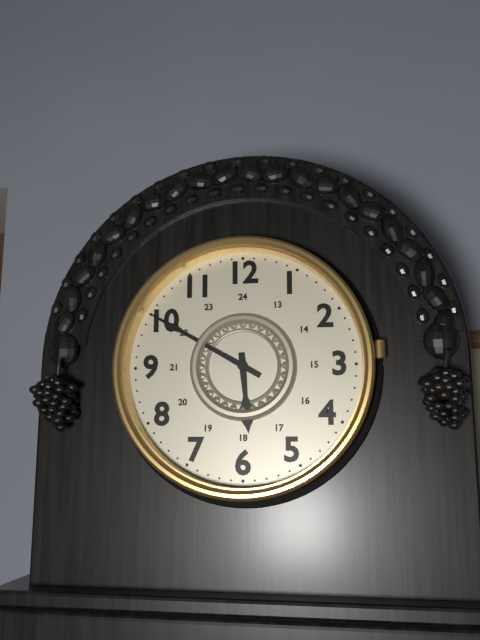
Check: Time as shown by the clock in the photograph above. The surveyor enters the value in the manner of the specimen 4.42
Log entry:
5.50
